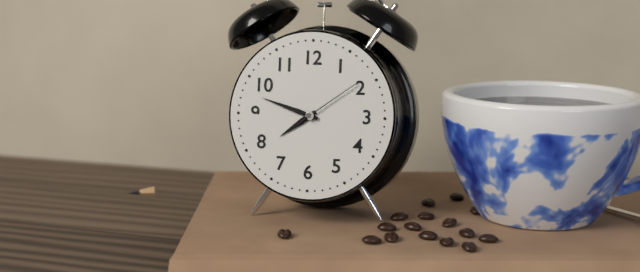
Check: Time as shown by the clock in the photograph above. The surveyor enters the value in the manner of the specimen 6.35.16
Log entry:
7.48.09
